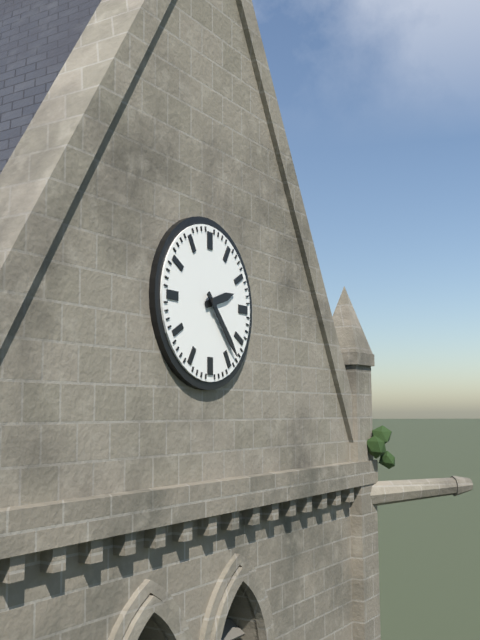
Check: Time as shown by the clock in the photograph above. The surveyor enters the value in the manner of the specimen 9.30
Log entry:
2.23
